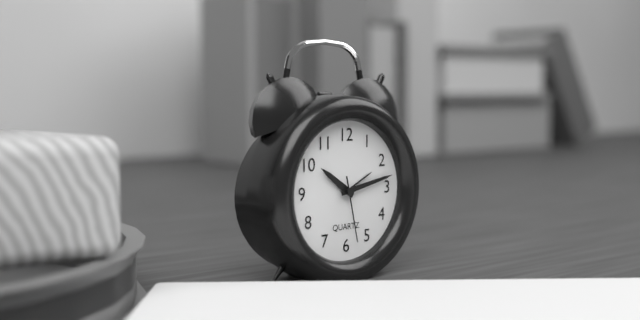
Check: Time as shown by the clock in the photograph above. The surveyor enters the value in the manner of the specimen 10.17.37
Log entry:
10.13.28
